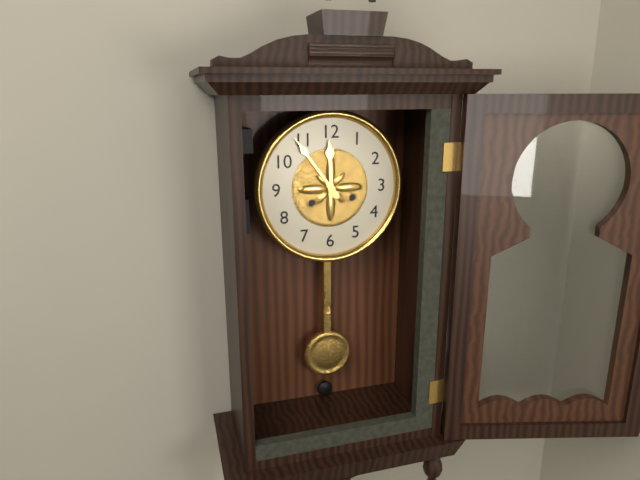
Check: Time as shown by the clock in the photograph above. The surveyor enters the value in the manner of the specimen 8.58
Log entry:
11.54
